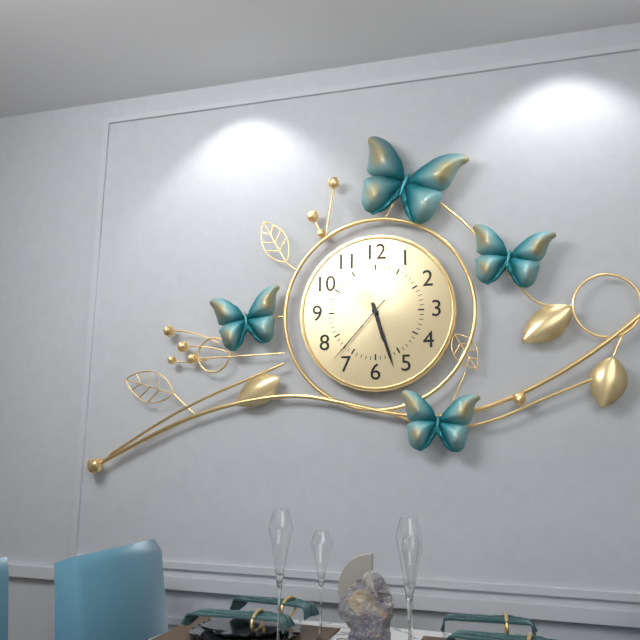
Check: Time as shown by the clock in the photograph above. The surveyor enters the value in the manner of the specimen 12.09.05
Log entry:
5.27.37
